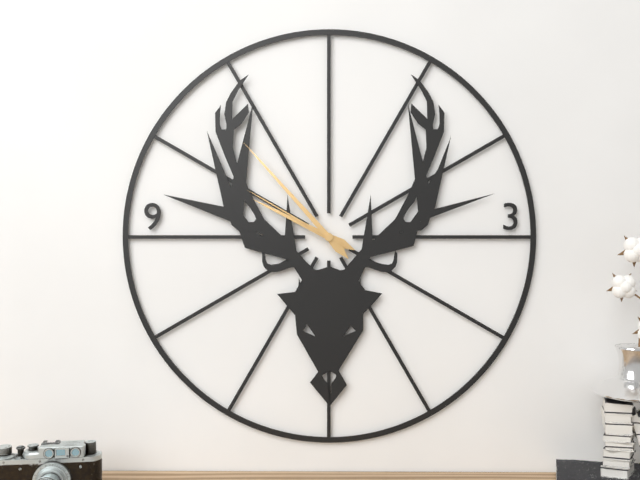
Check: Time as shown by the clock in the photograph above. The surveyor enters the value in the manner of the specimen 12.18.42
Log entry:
9.53.50
